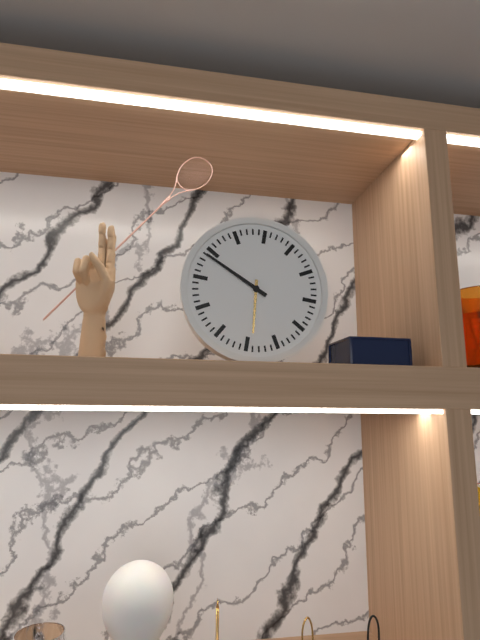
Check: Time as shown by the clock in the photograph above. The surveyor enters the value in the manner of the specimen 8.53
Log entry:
5.49
